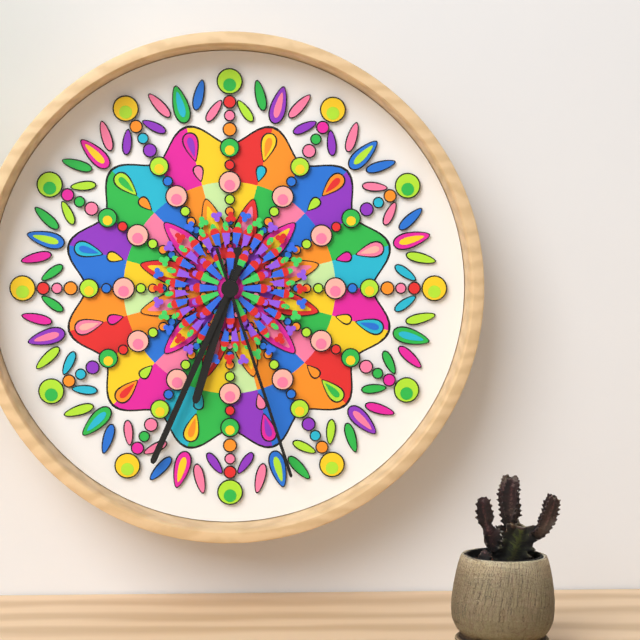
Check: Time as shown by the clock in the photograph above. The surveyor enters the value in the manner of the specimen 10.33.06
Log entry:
6.34.27
